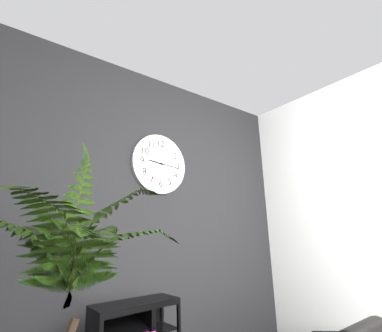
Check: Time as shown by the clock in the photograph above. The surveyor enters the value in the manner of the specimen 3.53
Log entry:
9.16
